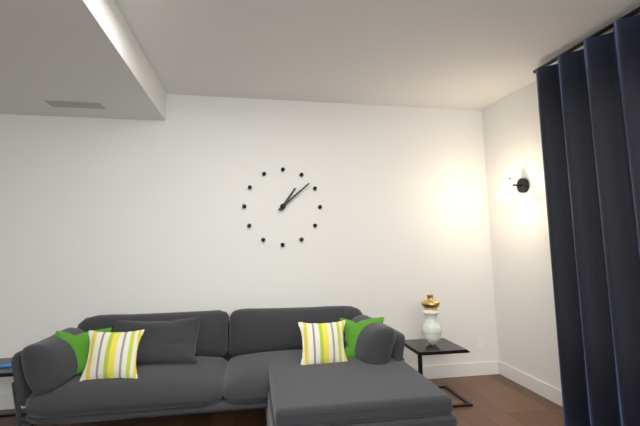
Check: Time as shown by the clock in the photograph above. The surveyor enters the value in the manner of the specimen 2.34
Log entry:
1.08
